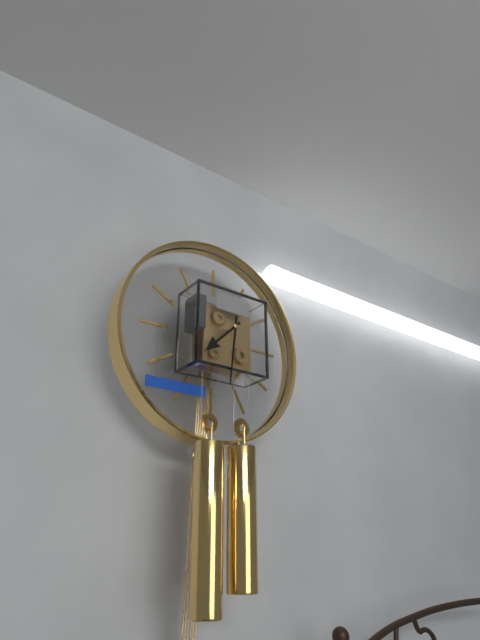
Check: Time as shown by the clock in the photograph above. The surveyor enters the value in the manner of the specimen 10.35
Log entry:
7.31
